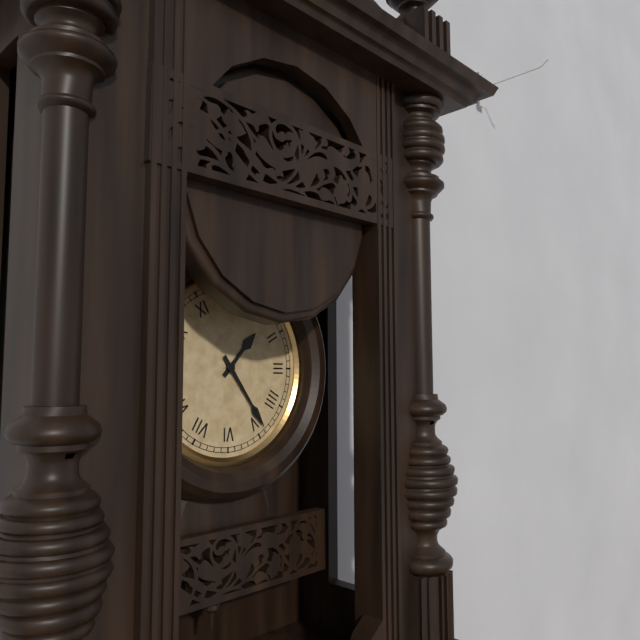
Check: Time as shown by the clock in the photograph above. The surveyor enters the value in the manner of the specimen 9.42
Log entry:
1.24
